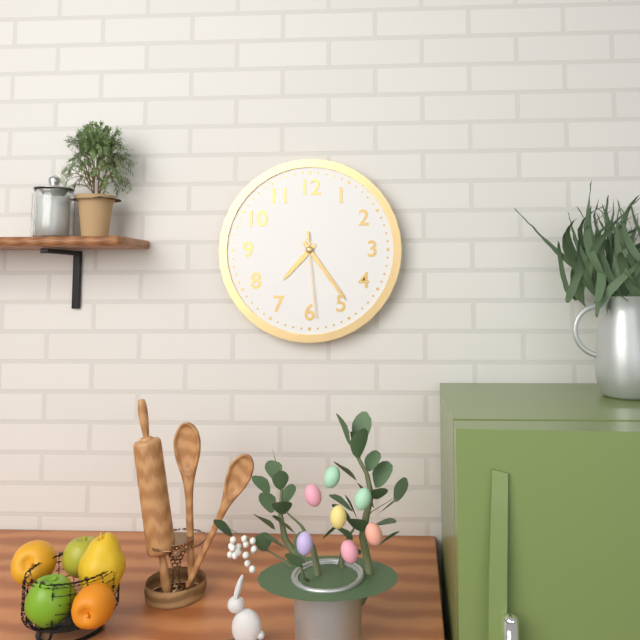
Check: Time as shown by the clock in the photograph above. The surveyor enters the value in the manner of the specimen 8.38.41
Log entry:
7.24.29
